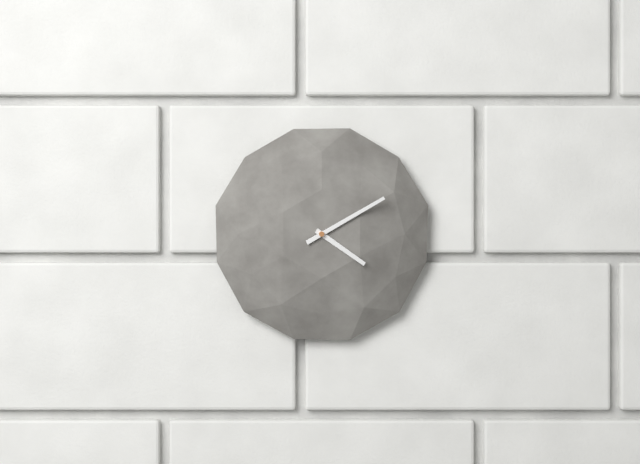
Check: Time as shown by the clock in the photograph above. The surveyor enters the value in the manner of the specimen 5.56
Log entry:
4.10
